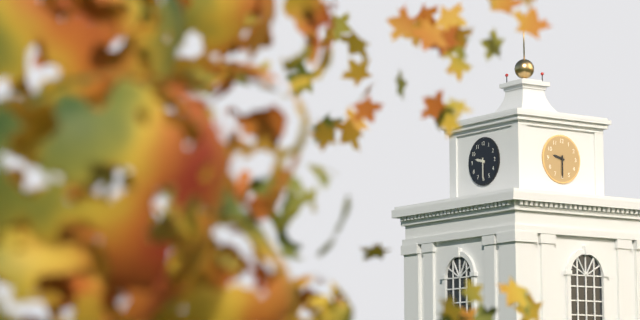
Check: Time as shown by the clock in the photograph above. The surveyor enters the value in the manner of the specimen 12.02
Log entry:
9.30
